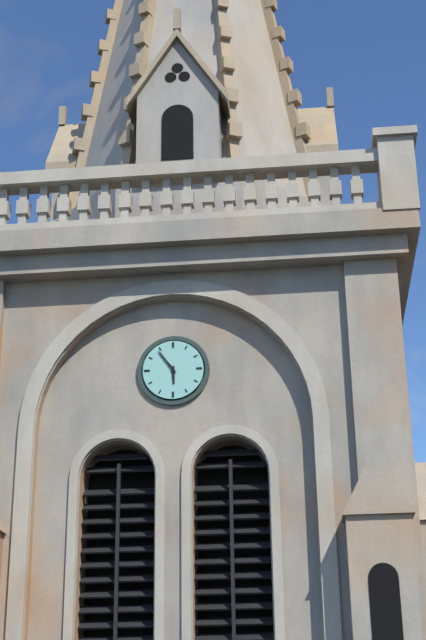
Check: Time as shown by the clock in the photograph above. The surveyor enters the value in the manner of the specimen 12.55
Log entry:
5.54
